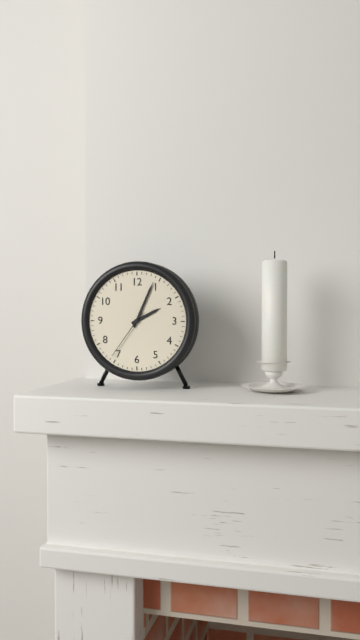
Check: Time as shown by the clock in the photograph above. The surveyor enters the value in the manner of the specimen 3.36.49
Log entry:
2.04.36
